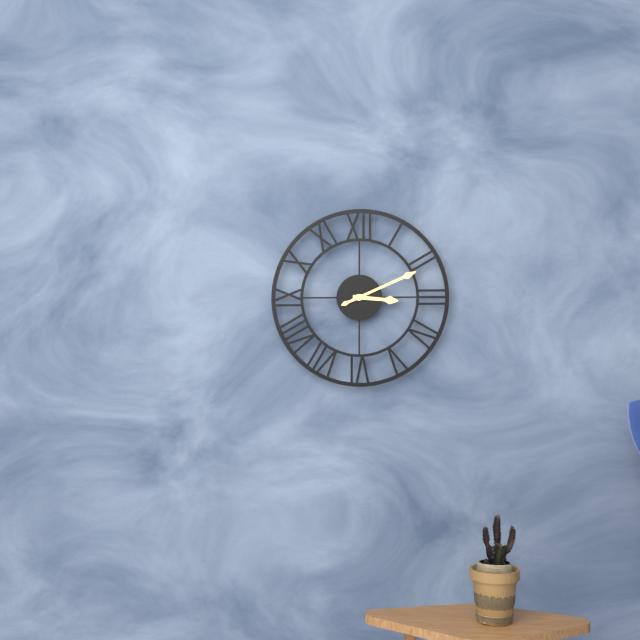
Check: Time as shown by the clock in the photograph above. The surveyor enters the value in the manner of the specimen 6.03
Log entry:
3.11
